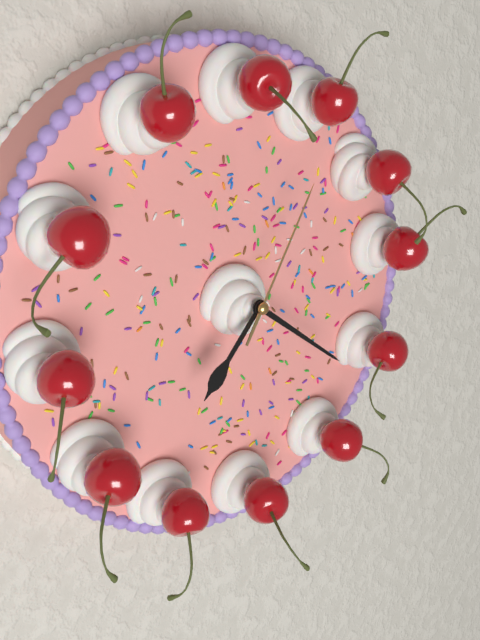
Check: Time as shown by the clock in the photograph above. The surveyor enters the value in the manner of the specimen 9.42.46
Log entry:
7.21.05
